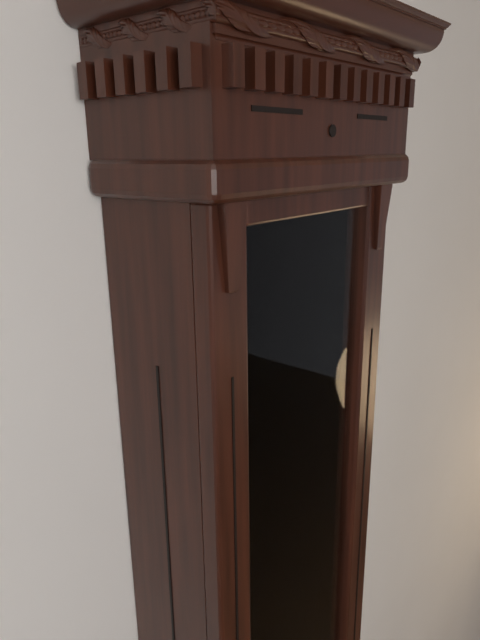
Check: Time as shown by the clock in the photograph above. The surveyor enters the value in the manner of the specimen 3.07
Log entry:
8.23
